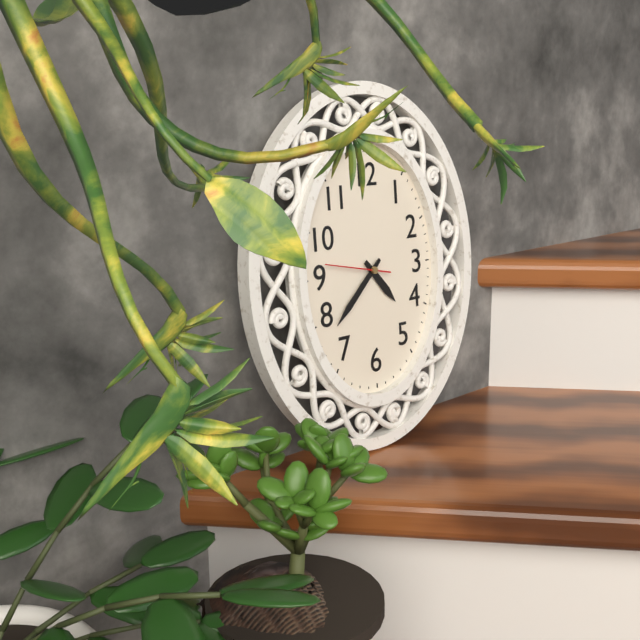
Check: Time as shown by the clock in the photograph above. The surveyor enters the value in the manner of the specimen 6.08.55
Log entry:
4.38.47
